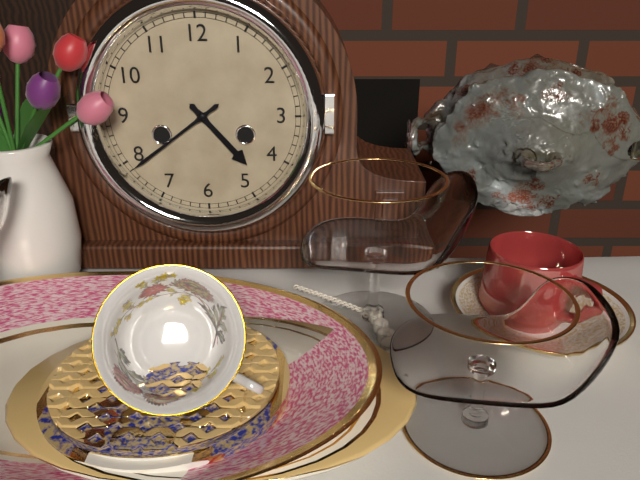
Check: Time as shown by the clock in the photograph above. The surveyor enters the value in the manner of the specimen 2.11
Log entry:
4.39
